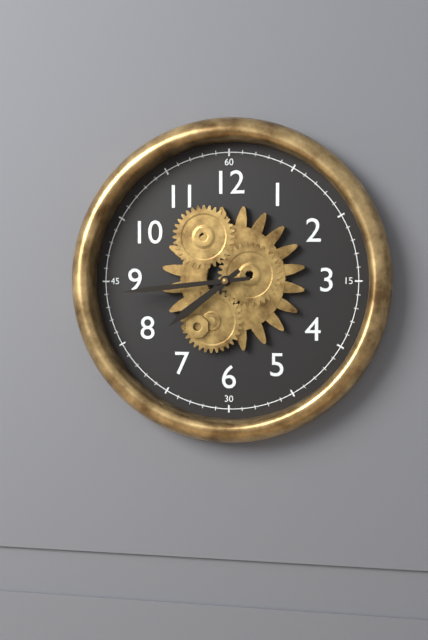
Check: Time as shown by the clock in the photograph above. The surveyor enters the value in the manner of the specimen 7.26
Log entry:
7.44
